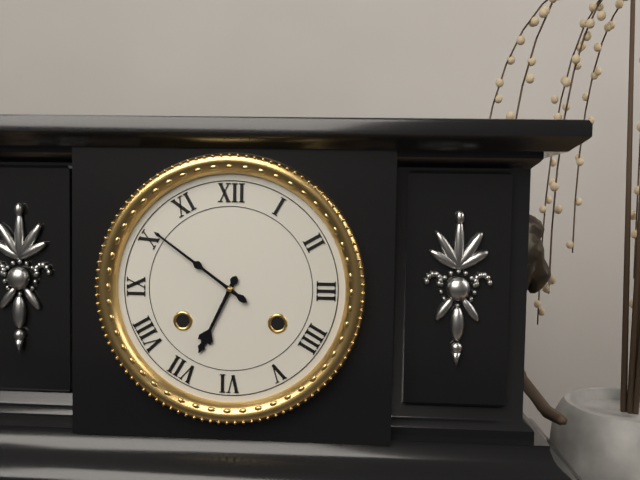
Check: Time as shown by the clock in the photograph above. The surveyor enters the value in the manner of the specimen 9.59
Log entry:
6.51
